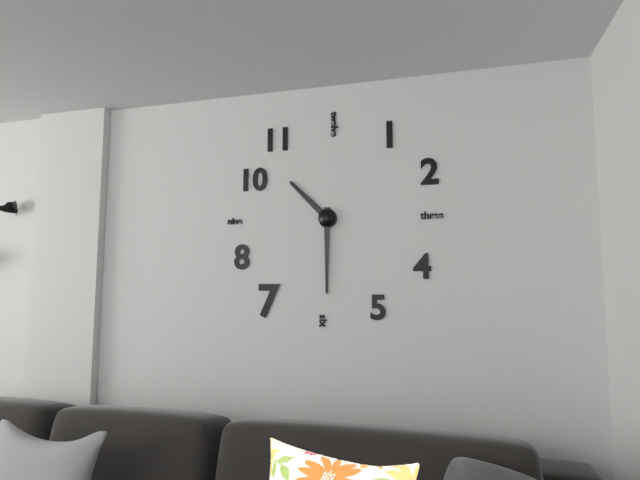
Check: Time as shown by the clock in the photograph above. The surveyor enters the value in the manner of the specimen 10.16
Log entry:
10.30
